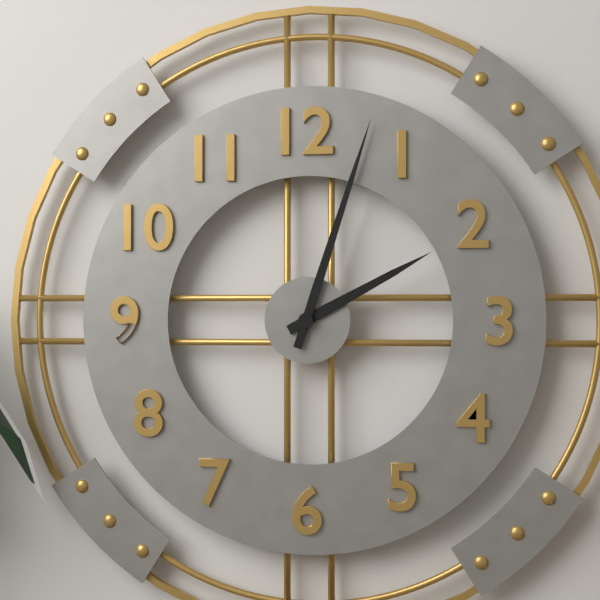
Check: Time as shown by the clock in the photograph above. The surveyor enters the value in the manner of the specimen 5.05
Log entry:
2.03
